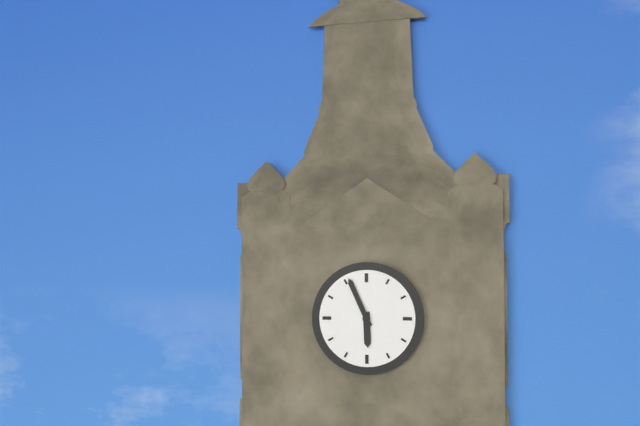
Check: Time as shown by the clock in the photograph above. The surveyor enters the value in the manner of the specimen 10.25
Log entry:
5.56
